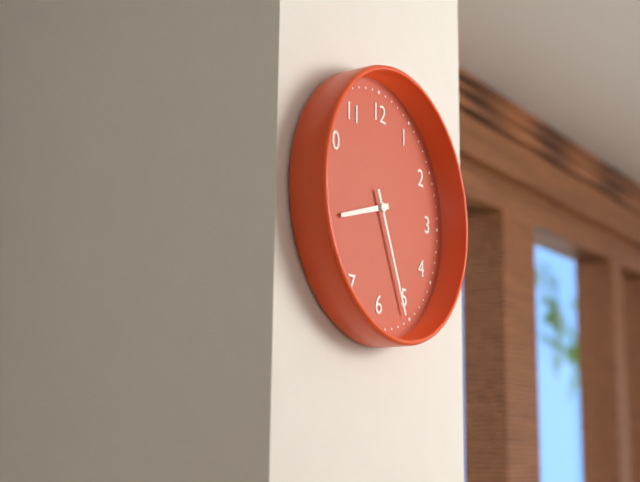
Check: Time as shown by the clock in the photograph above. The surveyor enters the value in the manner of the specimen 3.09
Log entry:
8.26
